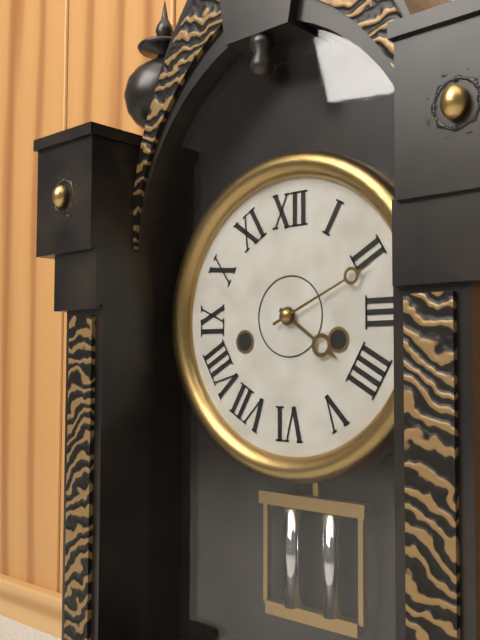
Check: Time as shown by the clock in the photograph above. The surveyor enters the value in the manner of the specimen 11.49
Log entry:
4.11
